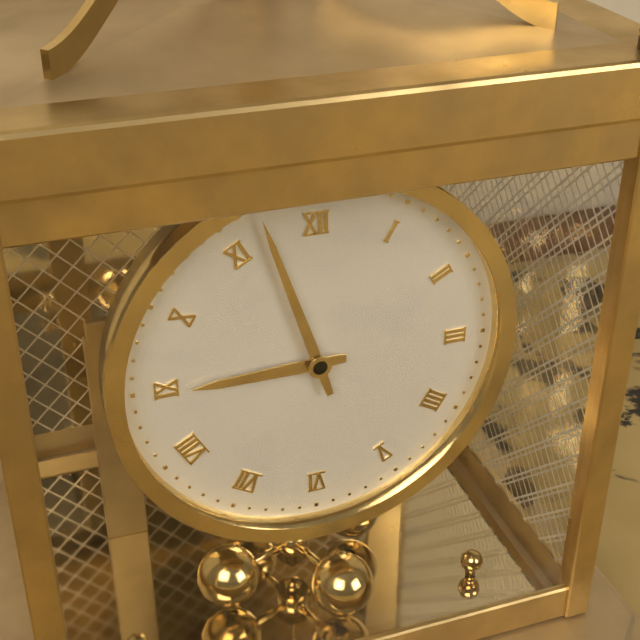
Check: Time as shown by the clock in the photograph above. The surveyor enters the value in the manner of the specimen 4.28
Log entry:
8.57
